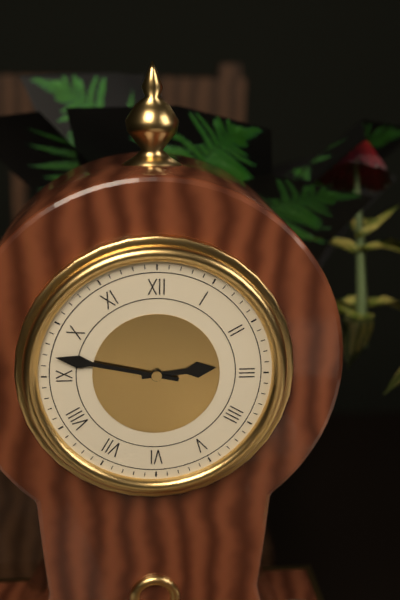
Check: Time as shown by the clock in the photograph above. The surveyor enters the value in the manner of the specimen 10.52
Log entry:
2.47
